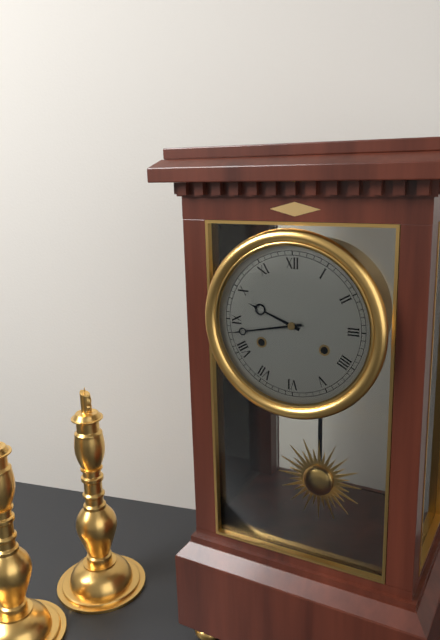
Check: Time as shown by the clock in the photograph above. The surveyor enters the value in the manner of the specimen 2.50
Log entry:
9.43
